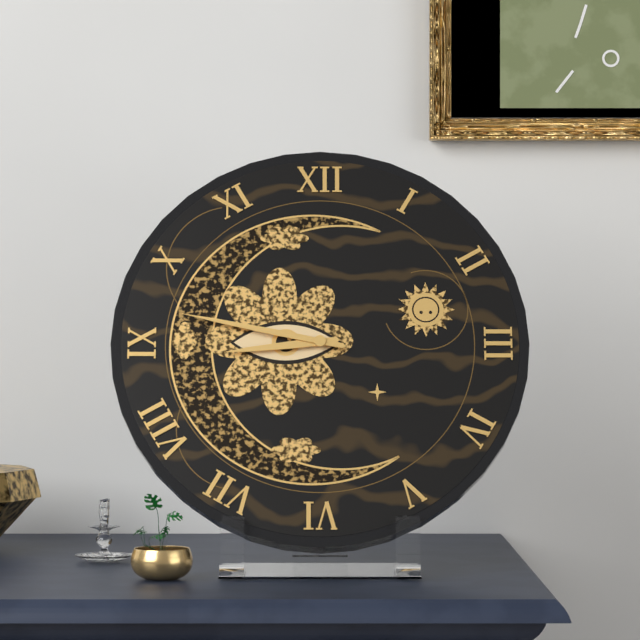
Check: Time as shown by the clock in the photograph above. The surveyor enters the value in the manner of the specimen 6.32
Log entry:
8.47
